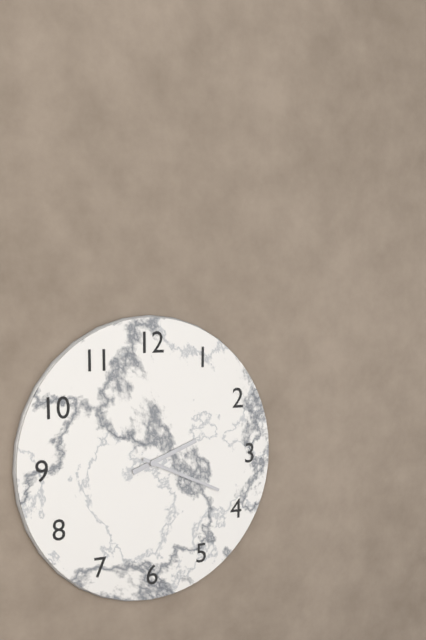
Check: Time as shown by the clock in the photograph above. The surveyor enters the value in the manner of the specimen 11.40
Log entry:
2.19
